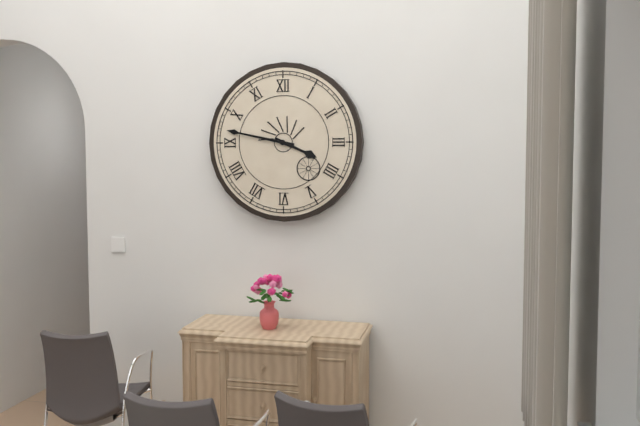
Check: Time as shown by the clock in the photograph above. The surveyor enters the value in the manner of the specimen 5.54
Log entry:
3.47
